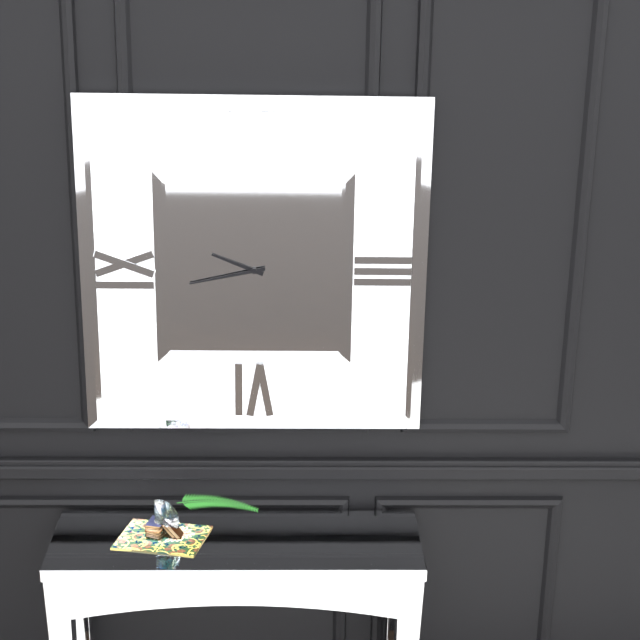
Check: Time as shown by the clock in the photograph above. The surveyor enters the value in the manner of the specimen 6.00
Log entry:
9.43
